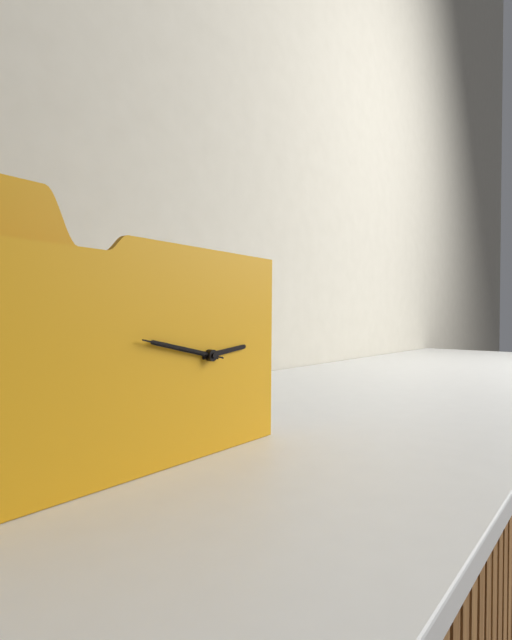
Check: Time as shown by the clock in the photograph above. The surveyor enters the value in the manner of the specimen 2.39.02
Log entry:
2.47.47
